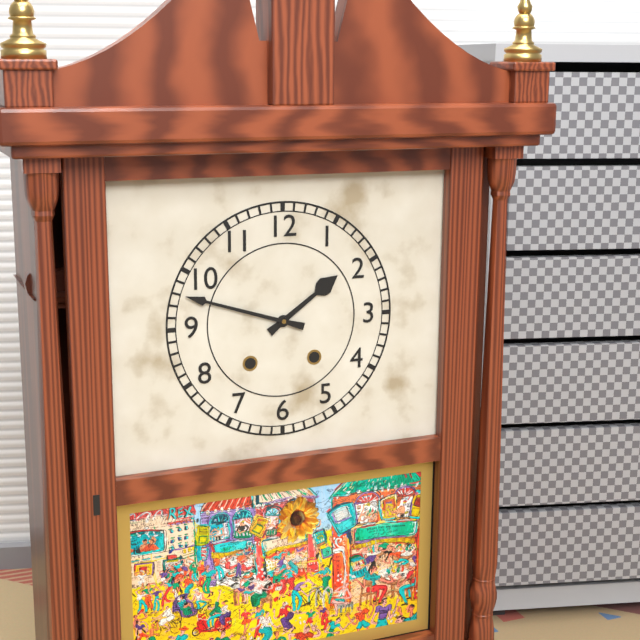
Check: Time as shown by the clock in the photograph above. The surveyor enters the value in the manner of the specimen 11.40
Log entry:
1.48
